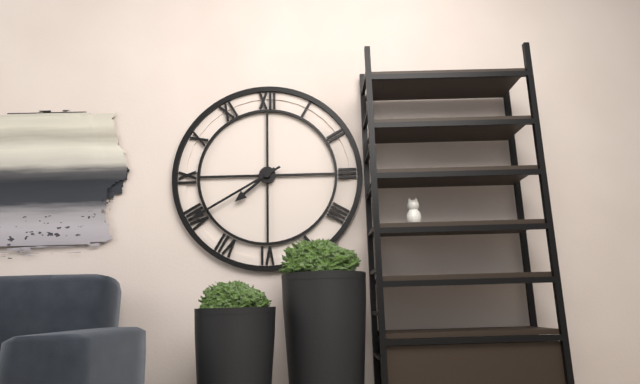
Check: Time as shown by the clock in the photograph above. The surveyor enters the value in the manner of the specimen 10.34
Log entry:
7.40
